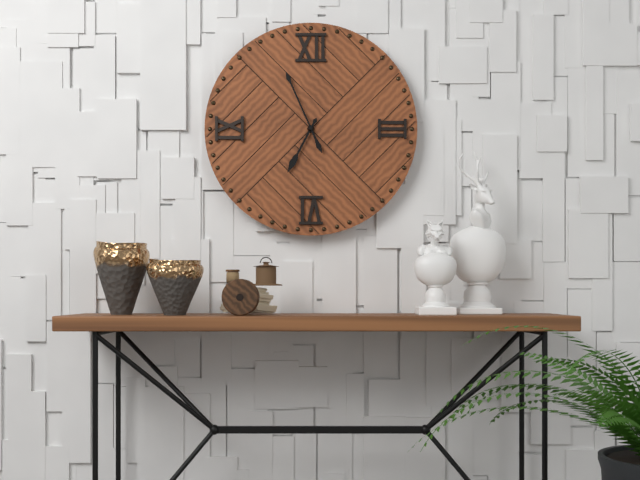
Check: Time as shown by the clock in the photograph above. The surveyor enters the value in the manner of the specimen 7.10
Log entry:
6.56
